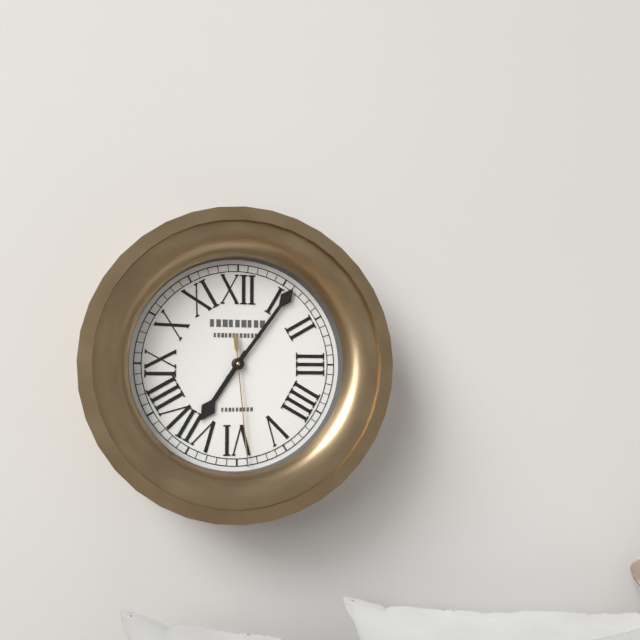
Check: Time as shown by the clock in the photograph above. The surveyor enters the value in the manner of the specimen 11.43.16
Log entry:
7.06.29
